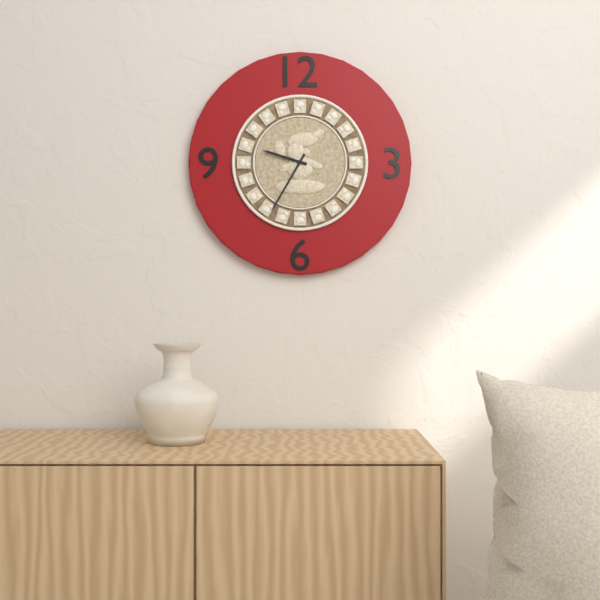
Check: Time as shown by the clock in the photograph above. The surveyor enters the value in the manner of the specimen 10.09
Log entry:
9.35
